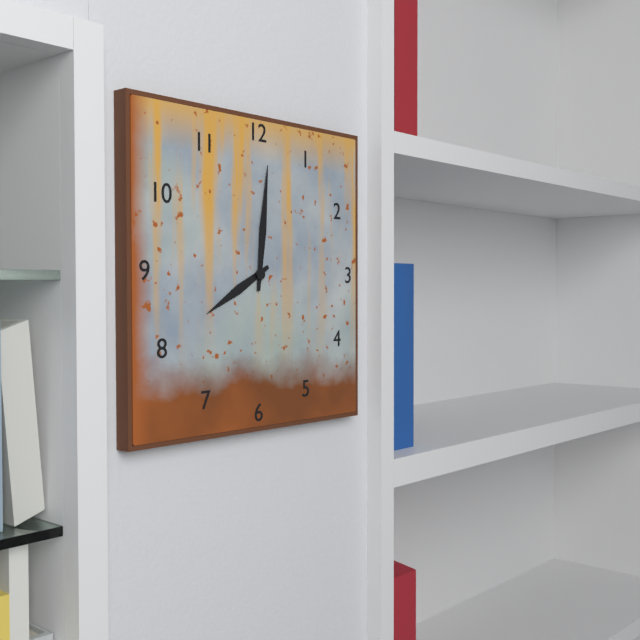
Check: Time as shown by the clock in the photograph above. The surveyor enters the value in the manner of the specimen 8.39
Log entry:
8.01
